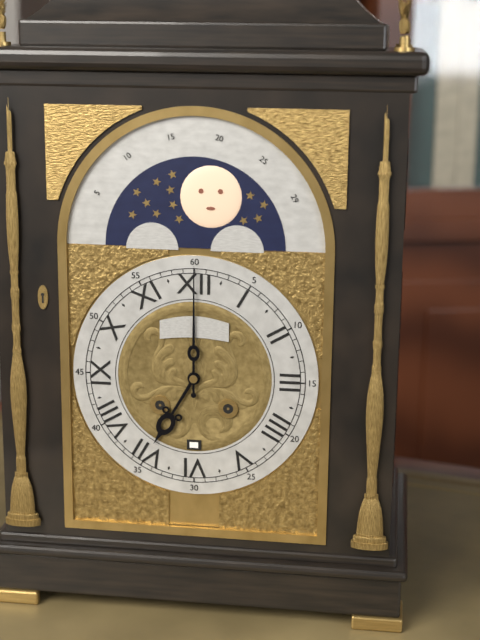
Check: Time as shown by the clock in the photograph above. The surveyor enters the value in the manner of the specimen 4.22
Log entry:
7.00
